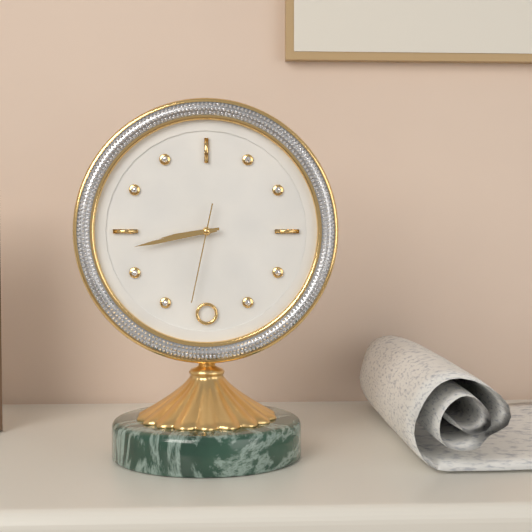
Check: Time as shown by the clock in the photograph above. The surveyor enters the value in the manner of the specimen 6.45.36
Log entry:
8.43.32
